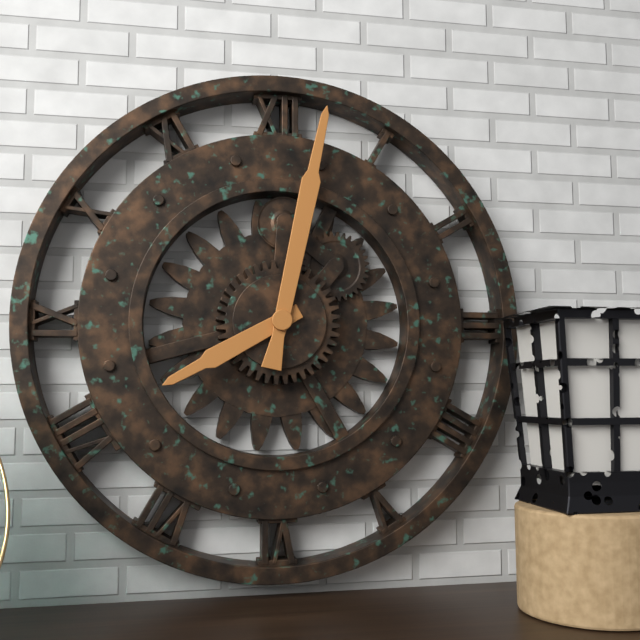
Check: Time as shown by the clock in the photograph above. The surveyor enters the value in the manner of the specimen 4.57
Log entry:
8.02
